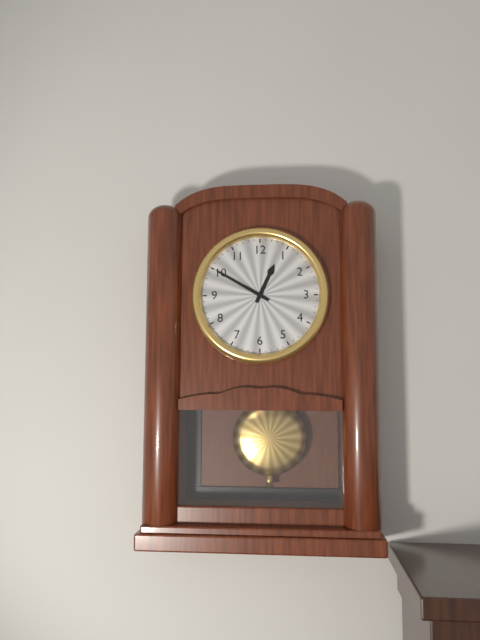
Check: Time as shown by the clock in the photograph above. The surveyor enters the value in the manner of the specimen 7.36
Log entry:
12.50
